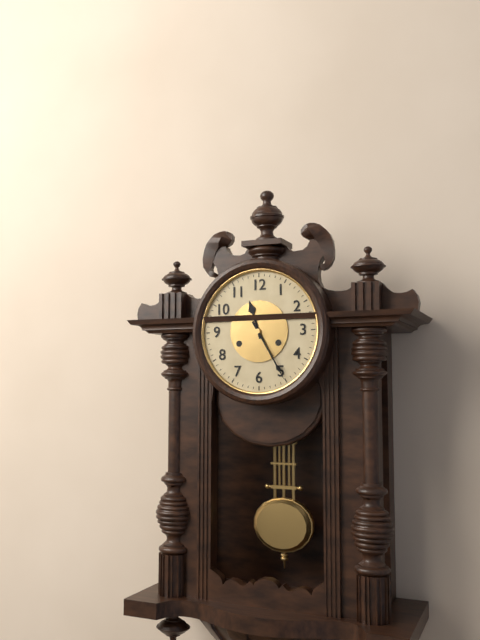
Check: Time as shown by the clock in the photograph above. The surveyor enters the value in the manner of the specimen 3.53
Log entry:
11.25
